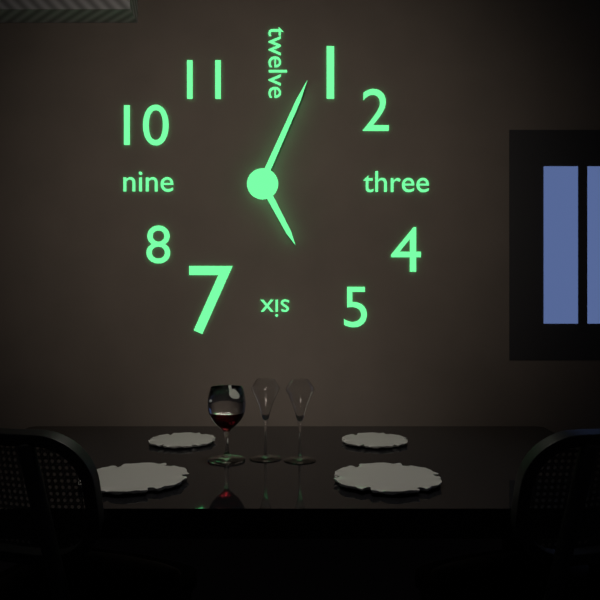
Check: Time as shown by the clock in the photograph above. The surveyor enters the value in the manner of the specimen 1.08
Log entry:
5.04
